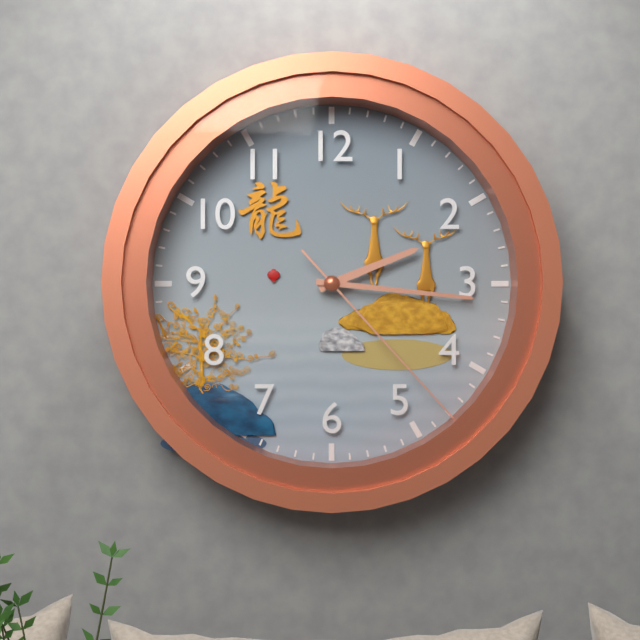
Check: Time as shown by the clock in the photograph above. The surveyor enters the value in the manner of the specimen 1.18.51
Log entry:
2.16.23
